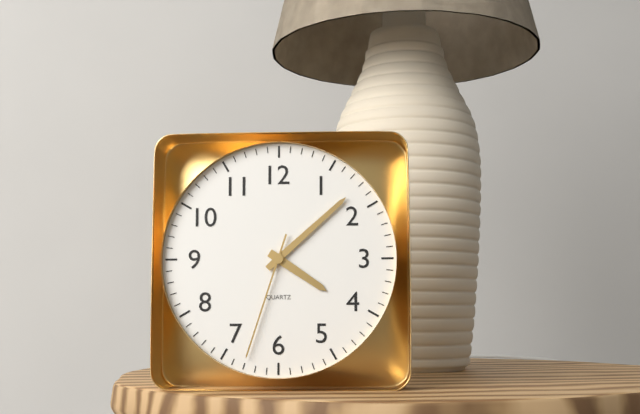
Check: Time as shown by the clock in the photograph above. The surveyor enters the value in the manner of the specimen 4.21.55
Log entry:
4.08.33
